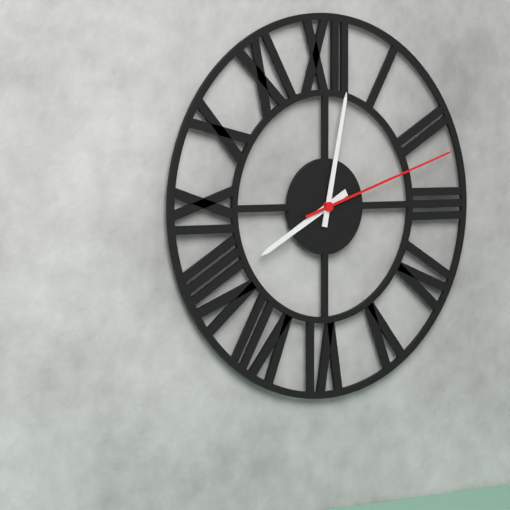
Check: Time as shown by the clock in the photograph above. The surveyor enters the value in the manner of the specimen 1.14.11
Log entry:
8.02.12
